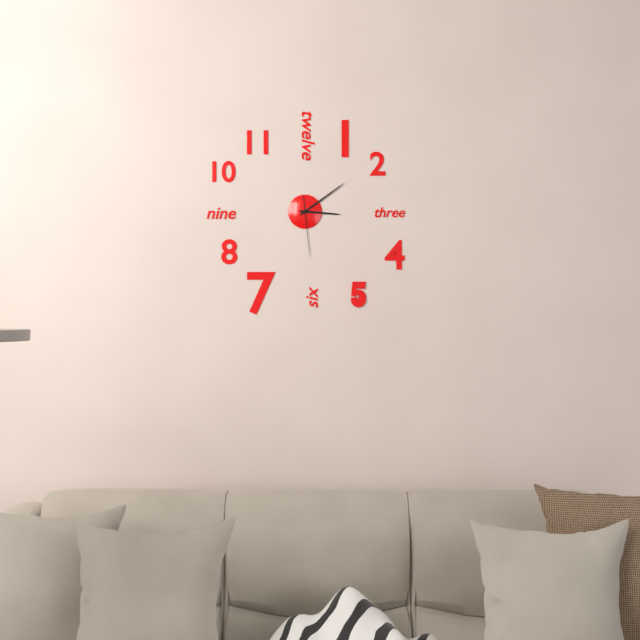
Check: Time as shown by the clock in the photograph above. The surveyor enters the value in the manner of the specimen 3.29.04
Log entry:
3.09.29
